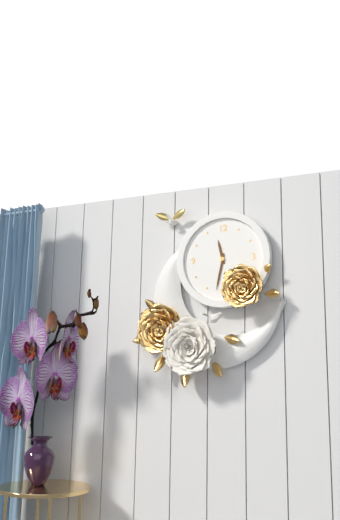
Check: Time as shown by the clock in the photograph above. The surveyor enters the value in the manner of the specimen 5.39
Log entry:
11.32
